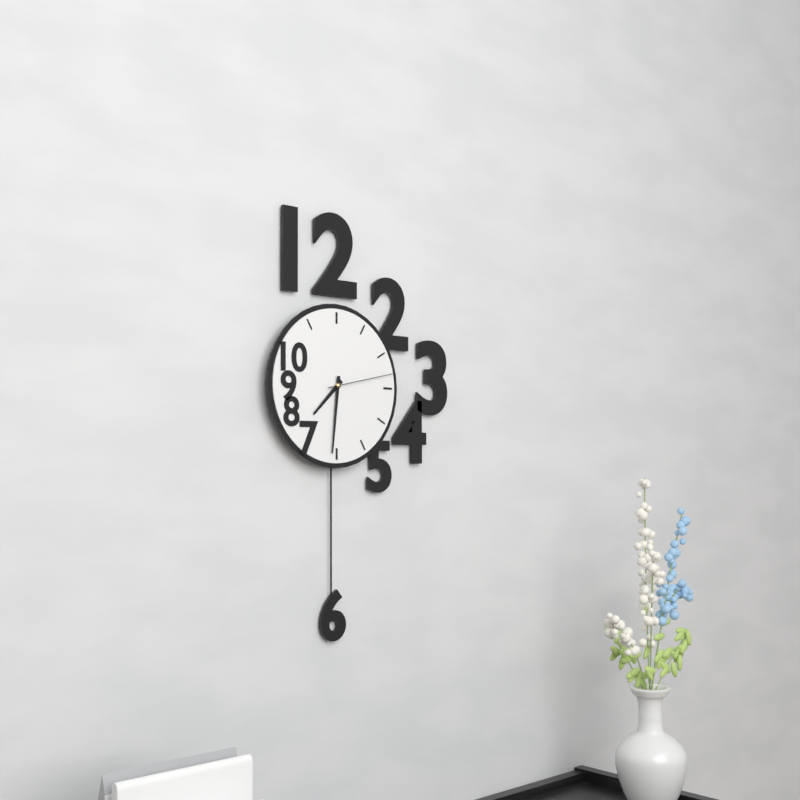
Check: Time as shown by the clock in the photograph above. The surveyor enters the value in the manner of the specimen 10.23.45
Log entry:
7.31.13
